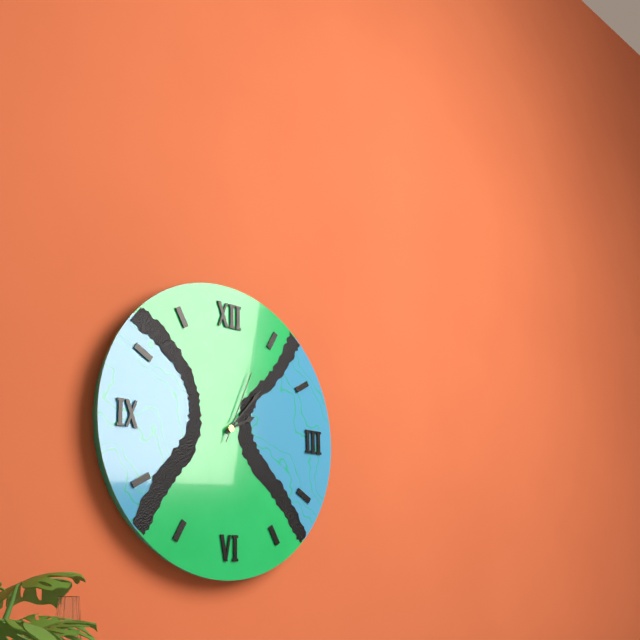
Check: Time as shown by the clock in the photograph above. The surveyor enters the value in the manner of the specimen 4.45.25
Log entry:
2.07.04
